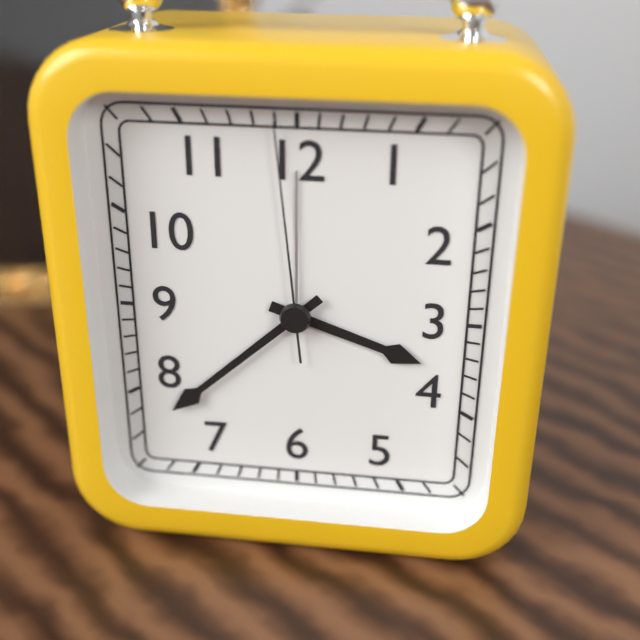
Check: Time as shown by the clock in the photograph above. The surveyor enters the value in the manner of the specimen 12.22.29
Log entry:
3.38.59
